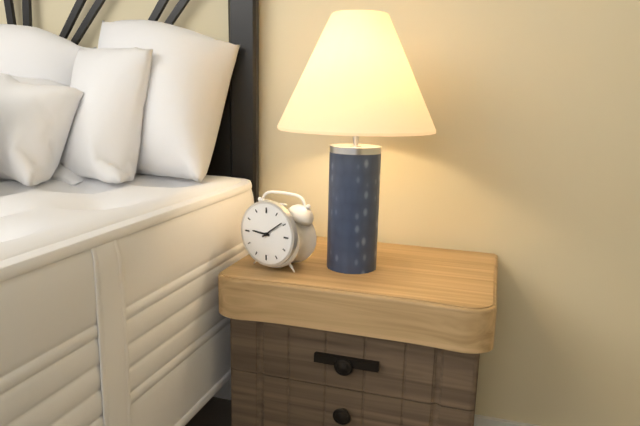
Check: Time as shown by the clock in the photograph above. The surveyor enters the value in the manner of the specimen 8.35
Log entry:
9.09
